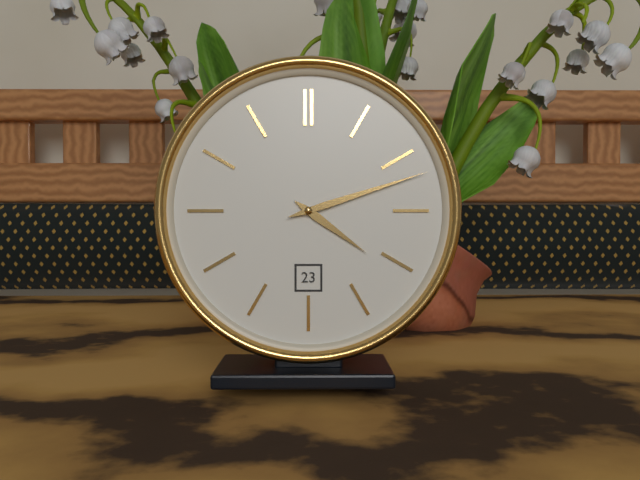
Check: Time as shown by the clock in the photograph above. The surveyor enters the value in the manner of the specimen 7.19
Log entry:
4.12
